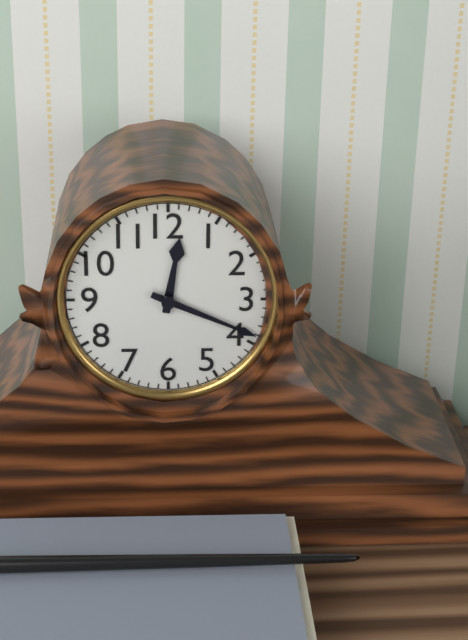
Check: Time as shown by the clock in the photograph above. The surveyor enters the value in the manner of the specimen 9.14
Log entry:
12.19
